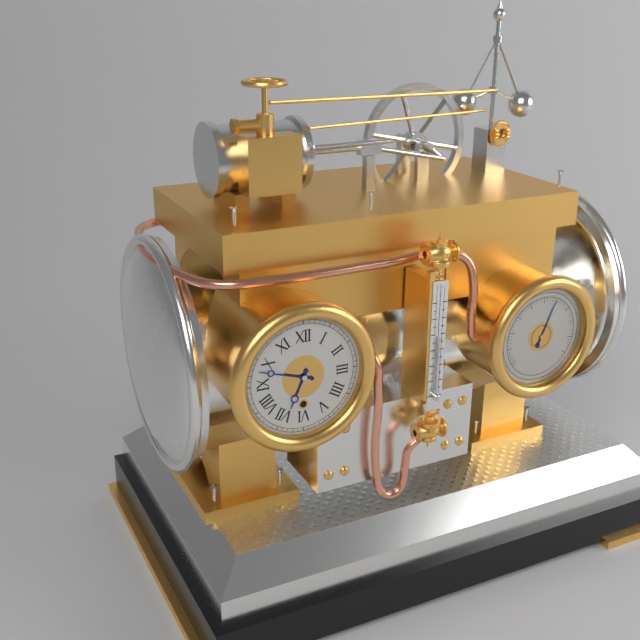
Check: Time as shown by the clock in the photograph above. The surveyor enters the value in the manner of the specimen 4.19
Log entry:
6.48
